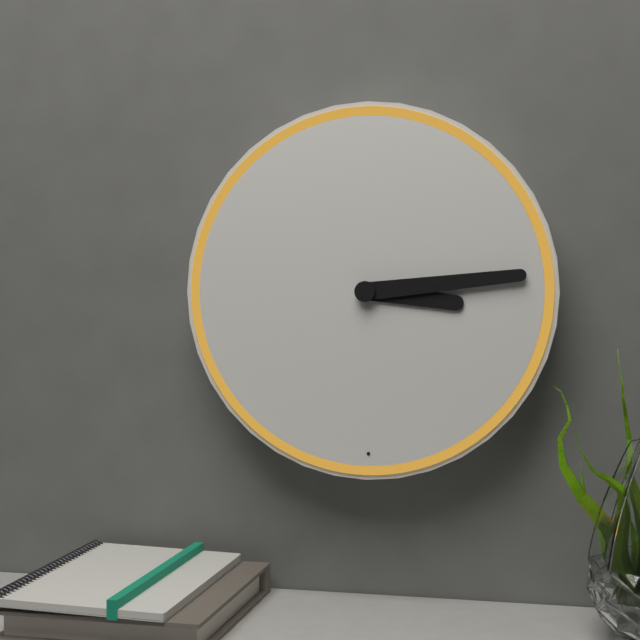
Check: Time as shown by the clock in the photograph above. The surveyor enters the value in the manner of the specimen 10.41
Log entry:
3.14
